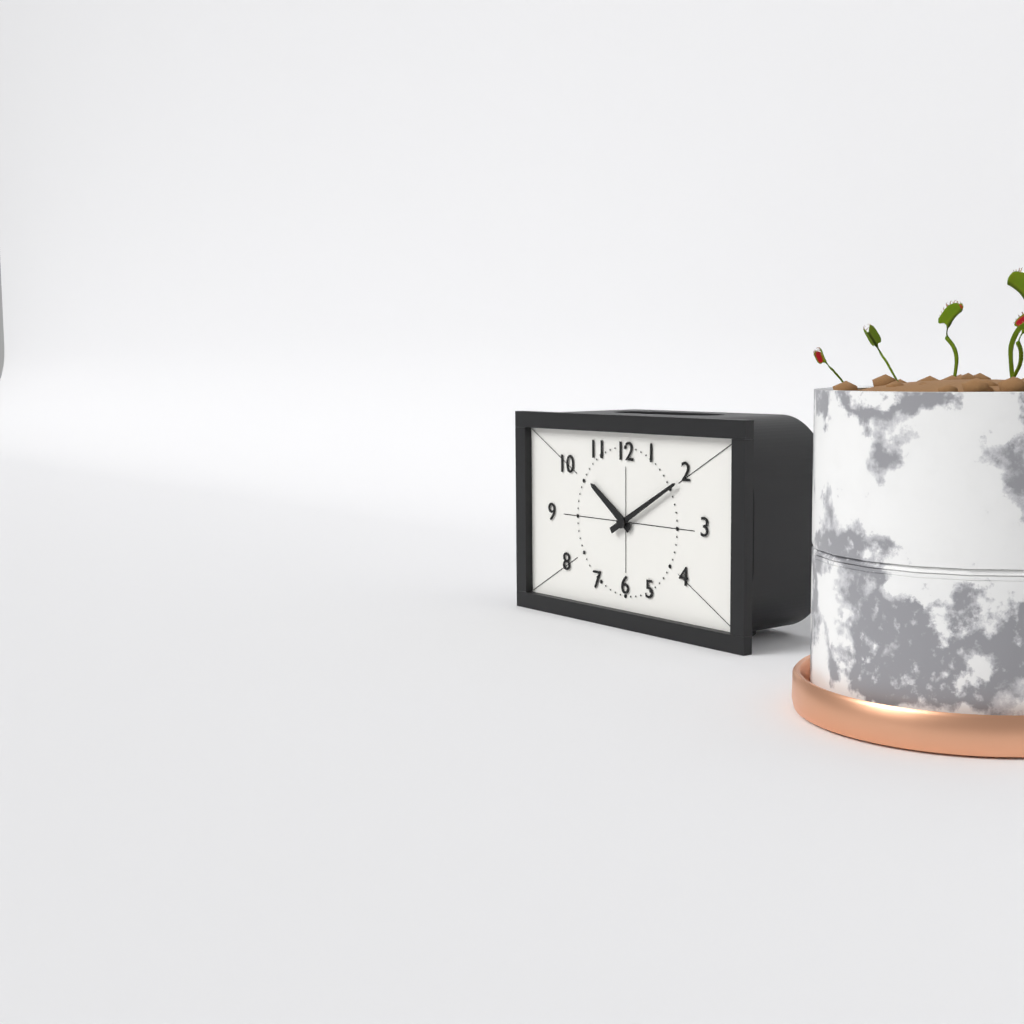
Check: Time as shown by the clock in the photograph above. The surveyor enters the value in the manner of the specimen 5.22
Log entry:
10.10
